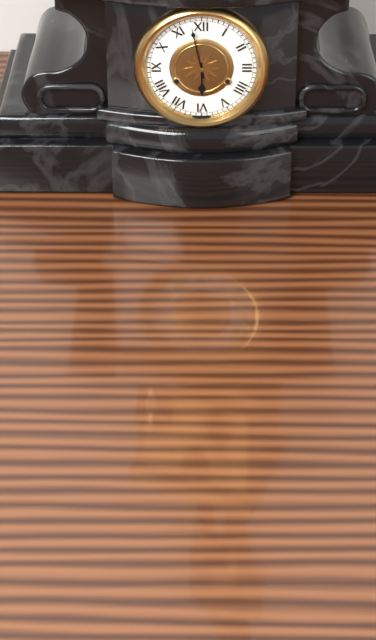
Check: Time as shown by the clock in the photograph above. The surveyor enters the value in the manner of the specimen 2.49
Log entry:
5.58
